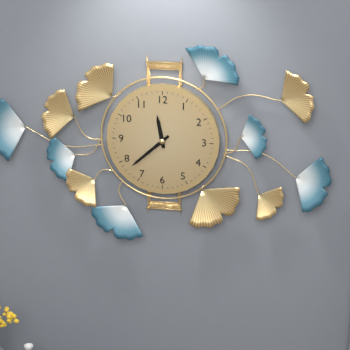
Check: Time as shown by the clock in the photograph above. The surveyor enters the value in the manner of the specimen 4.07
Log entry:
11.38
